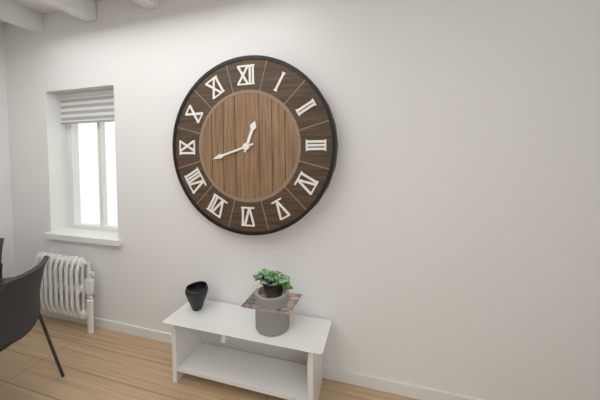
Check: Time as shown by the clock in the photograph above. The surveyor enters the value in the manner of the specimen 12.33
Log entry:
12.42
